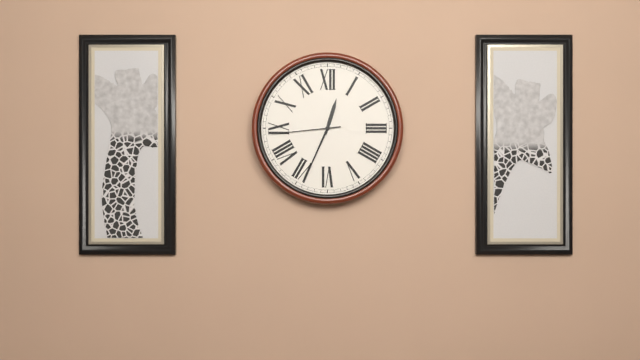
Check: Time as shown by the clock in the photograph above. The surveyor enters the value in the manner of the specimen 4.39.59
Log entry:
12.34.44
